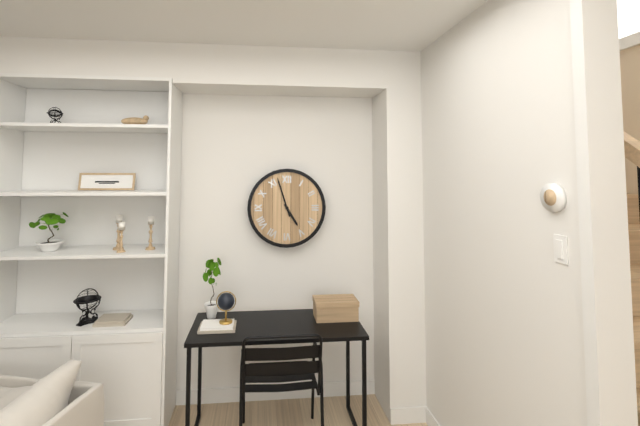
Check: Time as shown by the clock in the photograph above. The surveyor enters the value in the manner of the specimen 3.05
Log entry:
4.57
